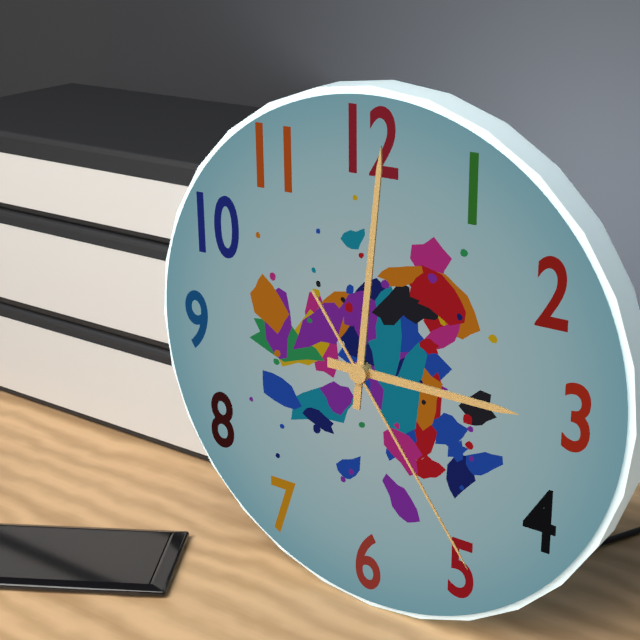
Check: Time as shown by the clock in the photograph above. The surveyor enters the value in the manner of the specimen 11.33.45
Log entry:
3.01.24
